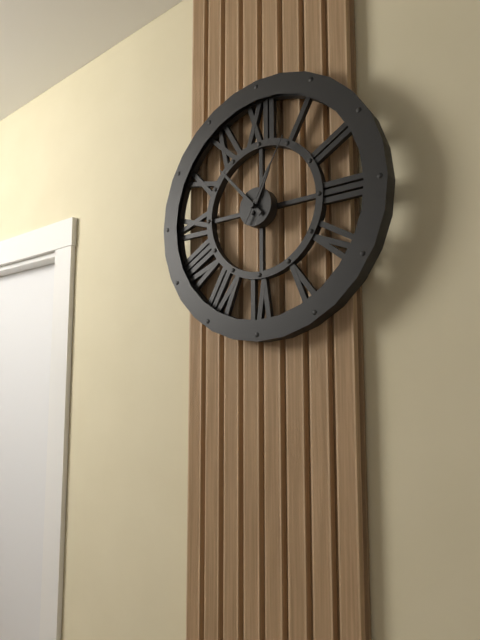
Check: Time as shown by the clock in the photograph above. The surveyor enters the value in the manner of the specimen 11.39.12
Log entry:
12.53.05
